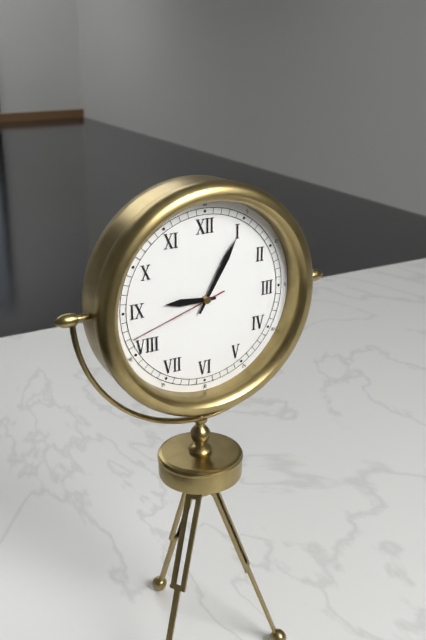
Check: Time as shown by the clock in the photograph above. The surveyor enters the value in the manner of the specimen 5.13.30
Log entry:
9.05.42
